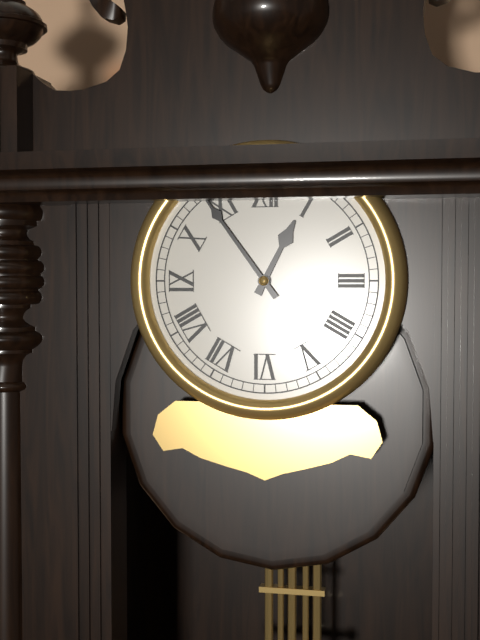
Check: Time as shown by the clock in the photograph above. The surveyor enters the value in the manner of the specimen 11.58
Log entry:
12.54
